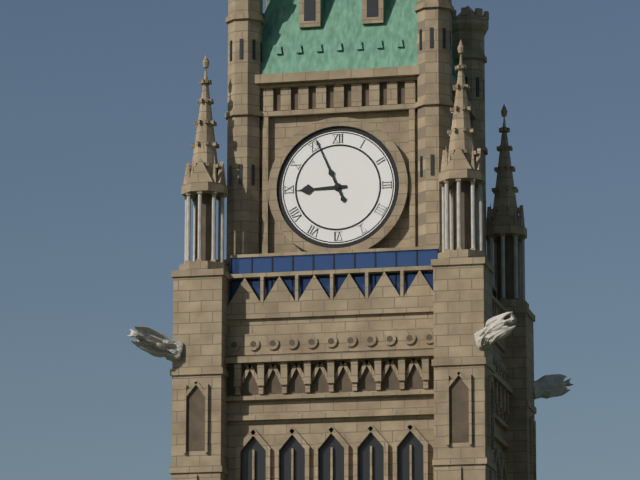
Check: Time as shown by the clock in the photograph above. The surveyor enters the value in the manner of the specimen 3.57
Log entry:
8.56
